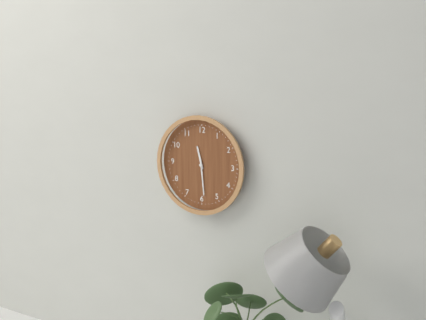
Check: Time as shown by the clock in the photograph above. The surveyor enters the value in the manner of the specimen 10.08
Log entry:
11.29
